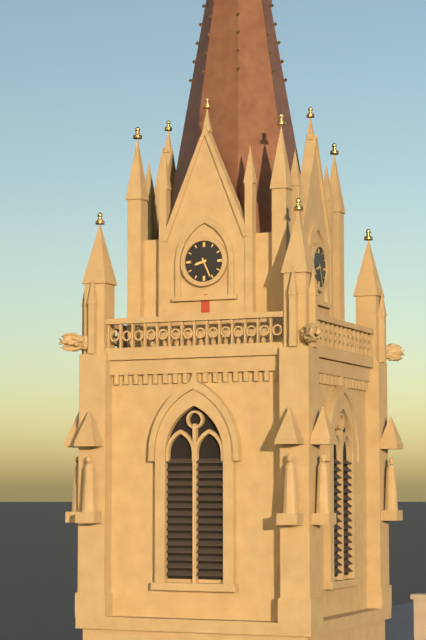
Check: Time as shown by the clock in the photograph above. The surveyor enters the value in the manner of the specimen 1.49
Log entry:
8.26
